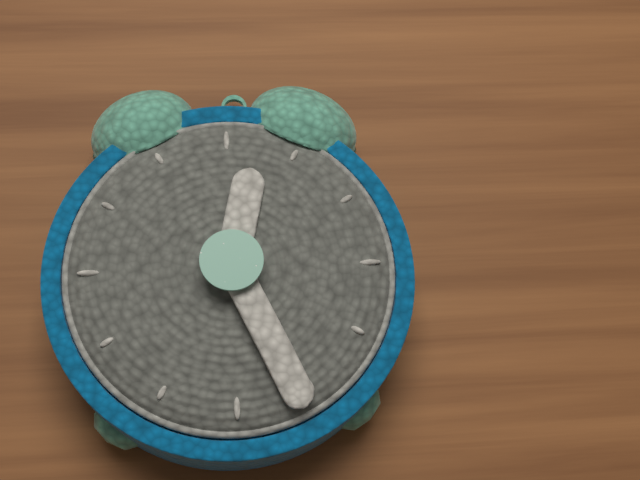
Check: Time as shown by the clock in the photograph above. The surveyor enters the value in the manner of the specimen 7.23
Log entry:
12.26
